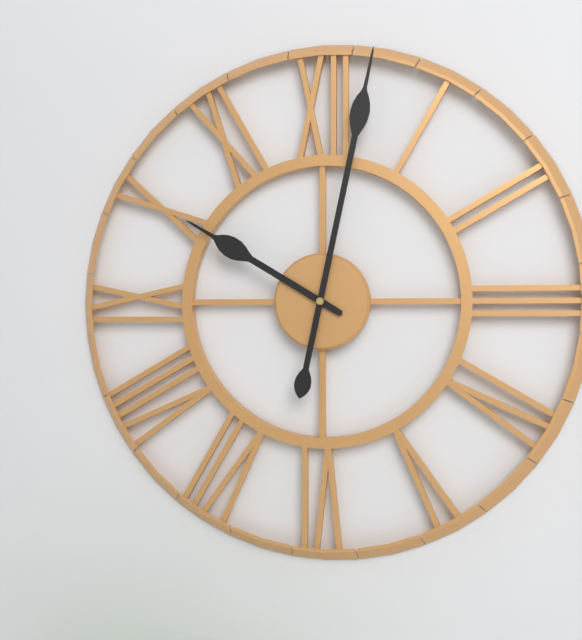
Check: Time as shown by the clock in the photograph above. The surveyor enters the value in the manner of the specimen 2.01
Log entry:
10.02
